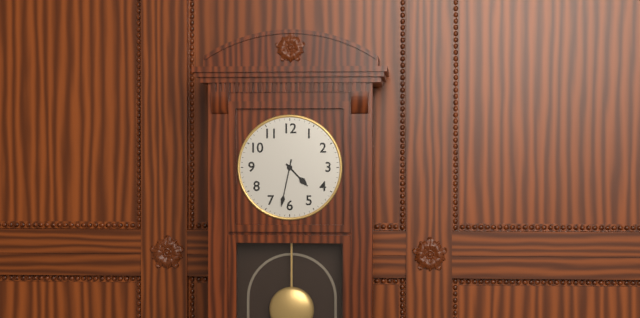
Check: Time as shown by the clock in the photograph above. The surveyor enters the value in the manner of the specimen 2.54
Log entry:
4.32
